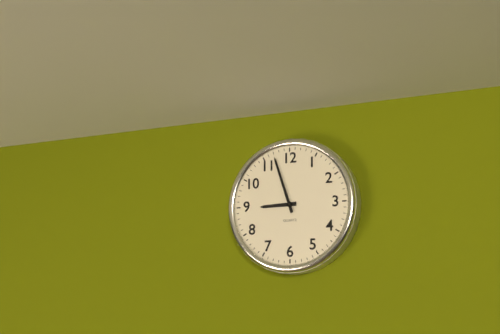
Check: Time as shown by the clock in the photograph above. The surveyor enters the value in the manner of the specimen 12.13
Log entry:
8.57
